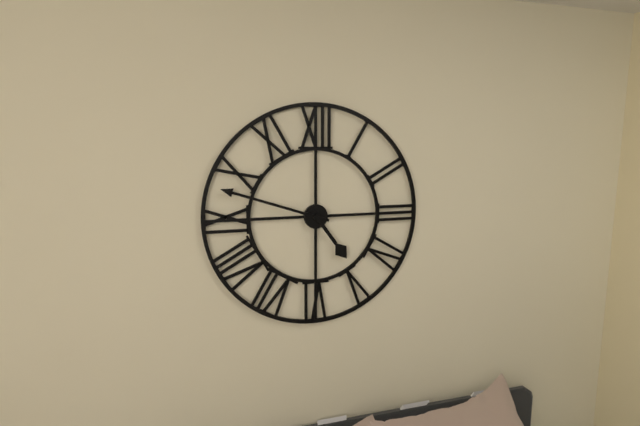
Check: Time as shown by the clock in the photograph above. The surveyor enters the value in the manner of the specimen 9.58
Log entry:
4.48
